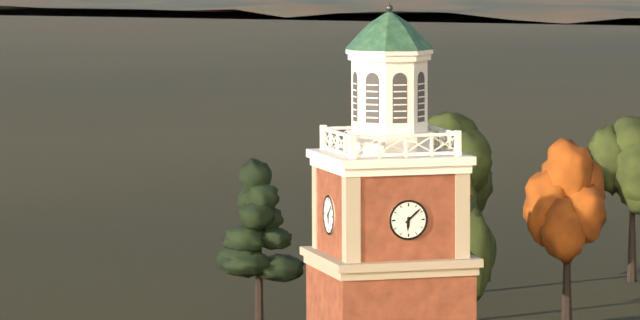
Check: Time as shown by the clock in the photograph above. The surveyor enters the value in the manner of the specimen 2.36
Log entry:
6.08
